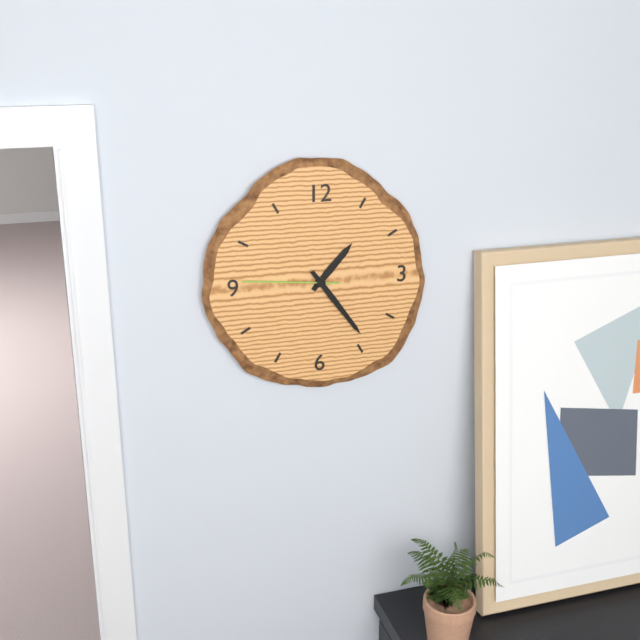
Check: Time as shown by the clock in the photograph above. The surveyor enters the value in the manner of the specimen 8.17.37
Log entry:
1.24.46
